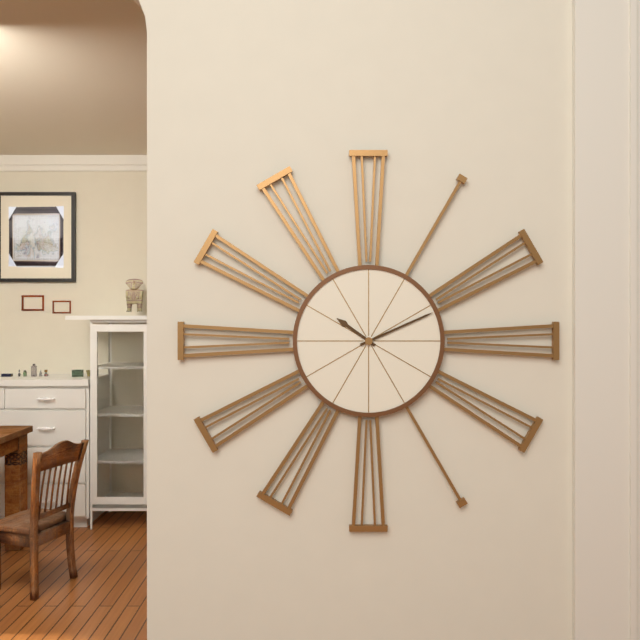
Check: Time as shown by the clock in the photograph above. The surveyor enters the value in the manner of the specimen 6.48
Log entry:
10.11
